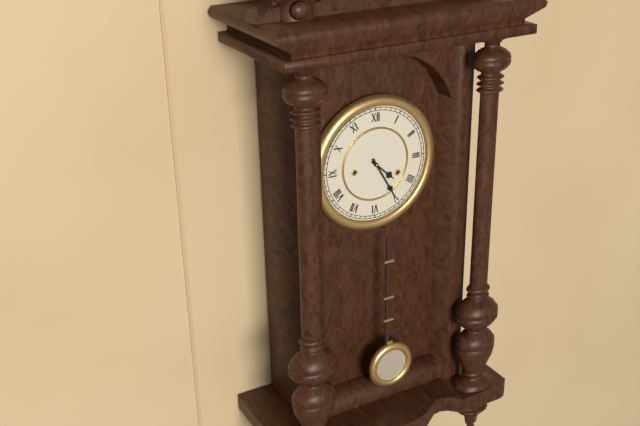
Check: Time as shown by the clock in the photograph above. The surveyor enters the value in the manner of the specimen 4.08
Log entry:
4.25
